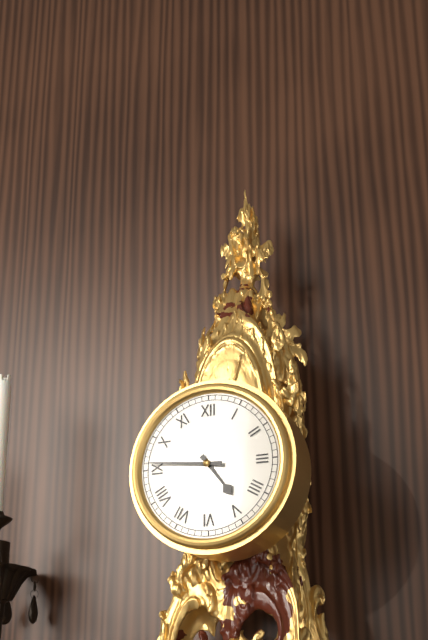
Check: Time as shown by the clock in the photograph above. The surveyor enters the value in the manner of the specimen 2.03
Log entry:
4.46
